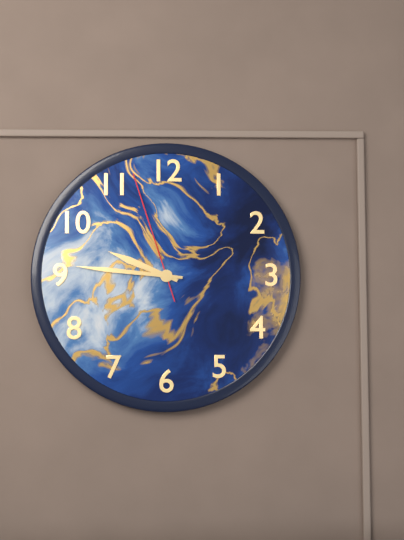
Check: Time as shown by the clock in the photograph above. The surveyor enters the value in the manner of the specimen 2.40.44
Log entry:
9.46.57
